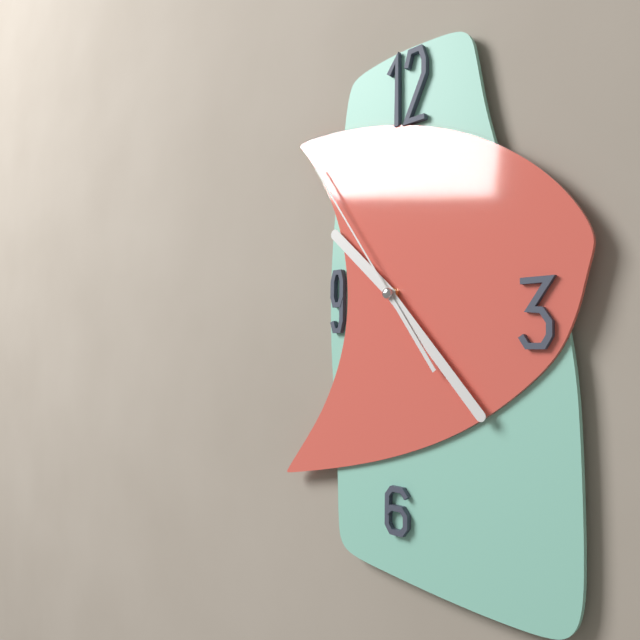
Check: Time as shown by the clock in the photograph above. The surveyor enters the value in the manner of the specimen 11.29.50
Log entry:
10.23.54
